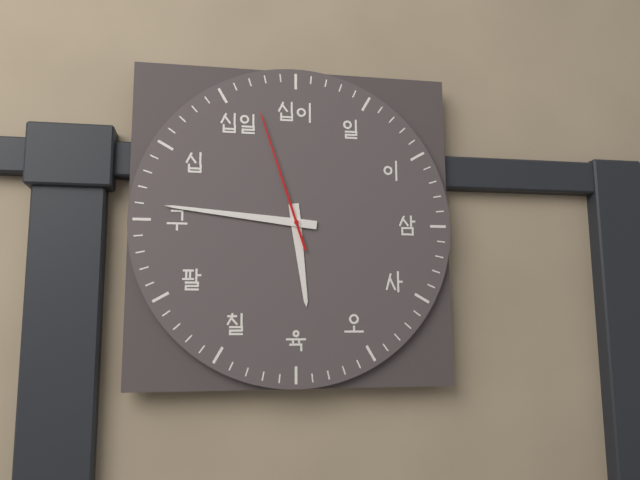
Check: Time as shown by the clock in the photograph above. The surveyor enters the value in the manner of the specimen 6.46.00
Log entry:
5.46.57
